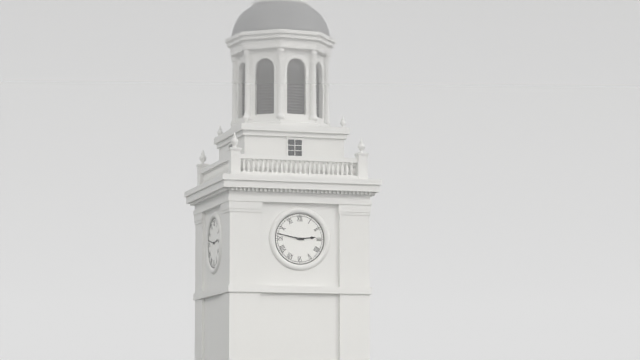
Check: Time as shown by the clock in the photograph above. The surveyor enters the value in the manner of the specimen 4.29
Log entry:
2.47
